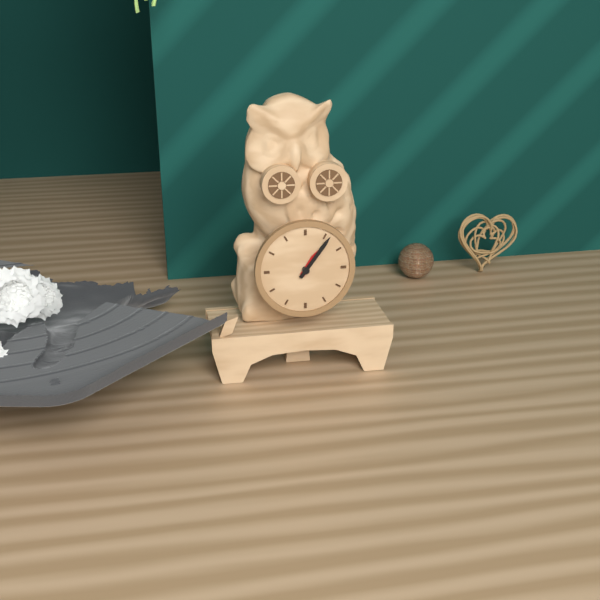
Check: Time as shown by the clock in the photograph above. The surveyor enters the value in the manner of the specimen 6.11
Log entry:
1.06
